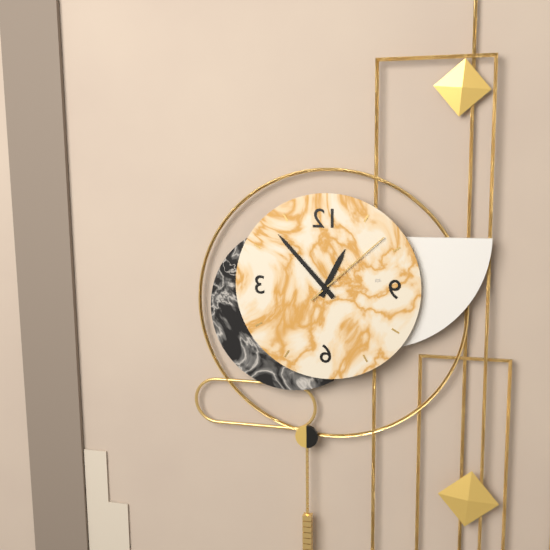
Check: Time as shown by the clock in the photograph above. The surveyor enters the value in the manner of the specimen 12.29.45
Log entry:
12.53.08
